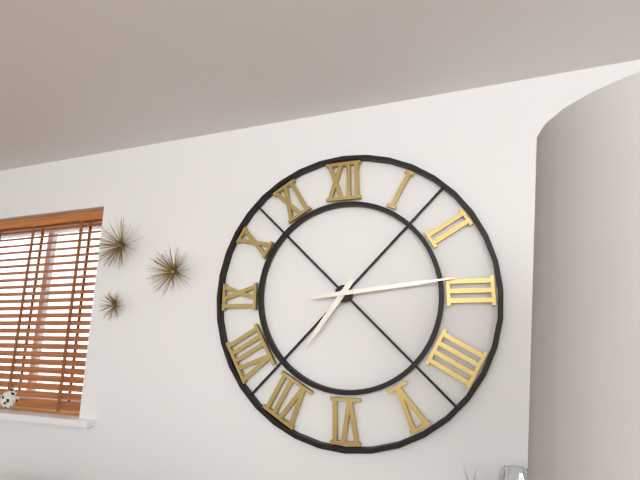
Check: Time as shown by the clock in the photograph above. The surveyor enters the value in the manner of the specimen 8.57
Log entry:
7.14
